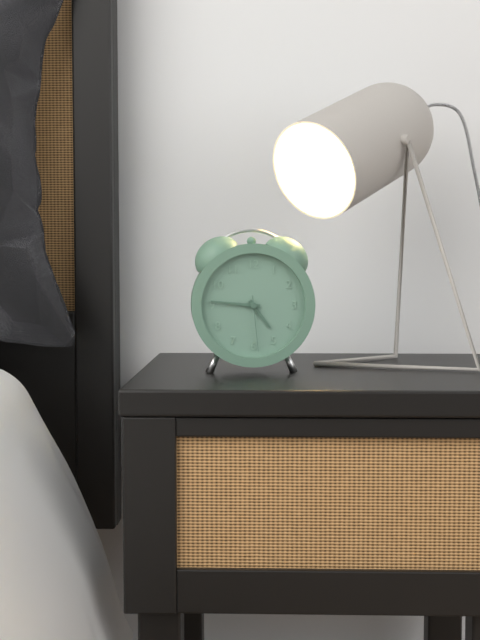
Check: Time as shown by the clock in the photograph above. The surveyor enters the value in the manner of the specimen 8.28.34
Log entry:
4.46.29
